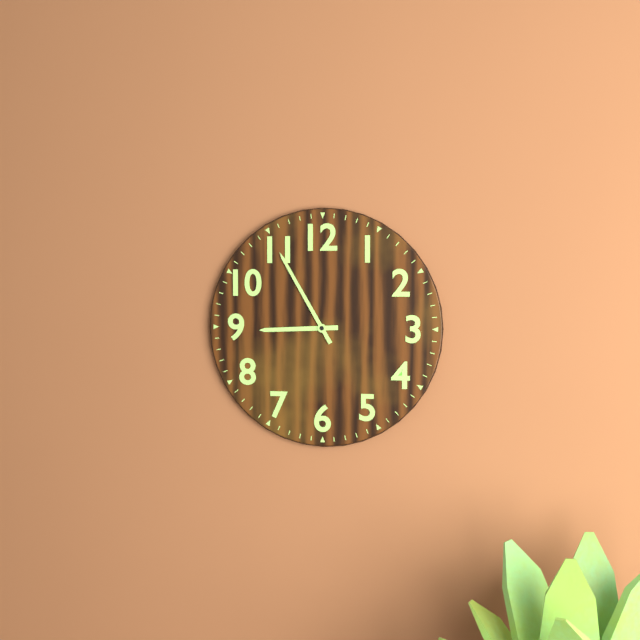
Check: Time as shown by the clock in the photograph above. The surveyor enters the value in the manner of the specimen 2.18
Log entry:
8.55
